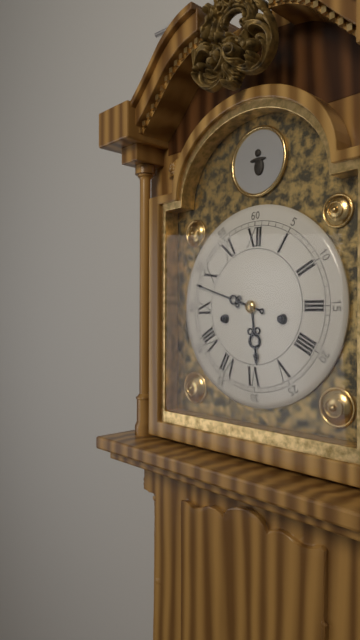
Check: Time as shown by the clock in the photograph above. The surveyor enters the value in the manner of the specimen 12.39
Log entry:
5.48
